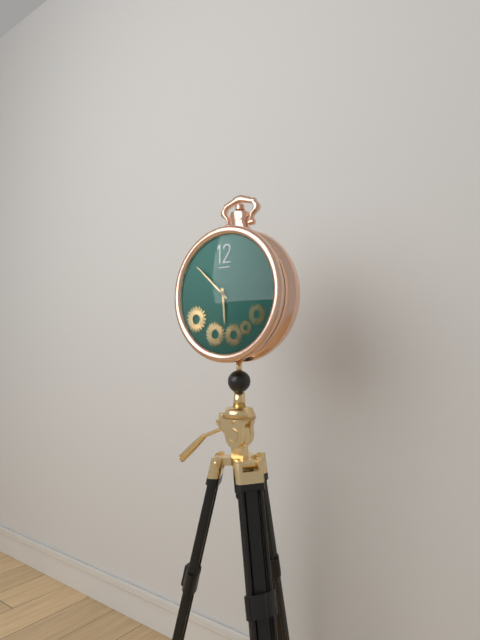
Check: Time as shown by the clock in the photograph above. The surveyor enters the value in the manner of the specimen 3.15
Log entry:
5.52
